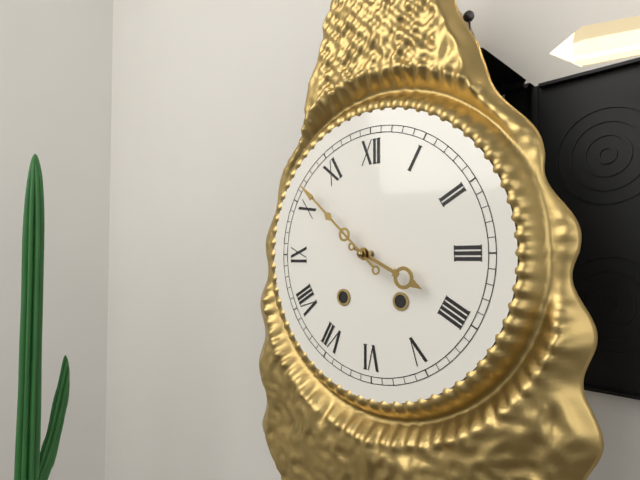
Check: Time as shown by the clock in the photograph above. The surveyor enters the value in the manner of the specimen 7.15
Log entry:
3.52
